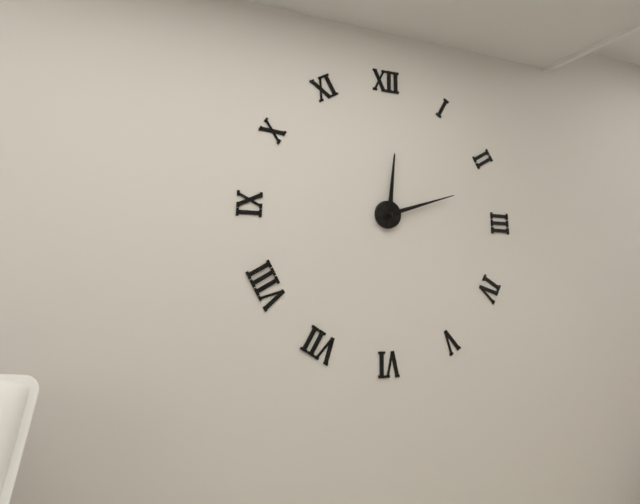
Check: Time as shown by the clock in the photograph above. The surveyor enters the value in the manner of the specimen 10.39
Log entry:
12.12
